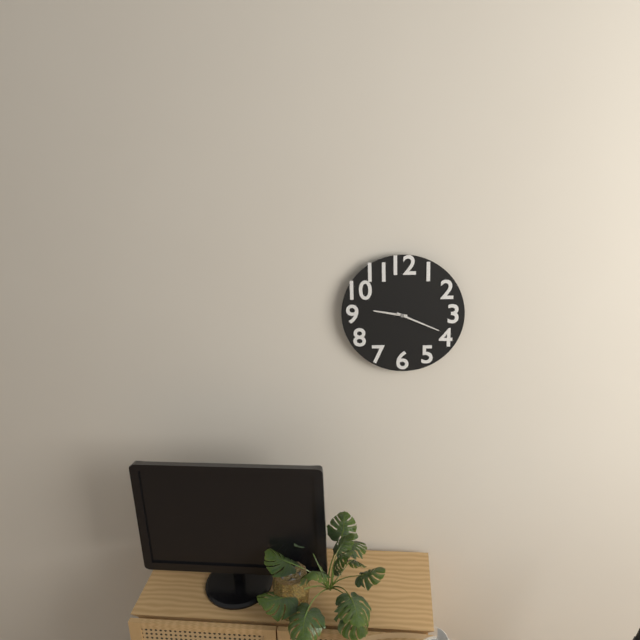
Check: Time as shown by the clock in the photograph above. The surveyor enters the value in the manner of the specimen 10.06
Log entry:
9.19
